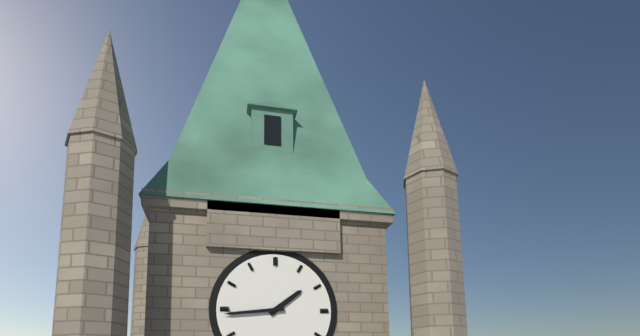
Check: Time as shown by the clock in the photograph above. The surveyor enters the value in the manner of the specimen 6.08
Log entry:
1.44
